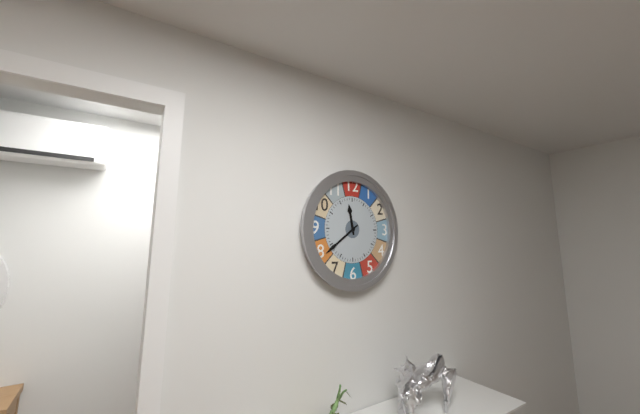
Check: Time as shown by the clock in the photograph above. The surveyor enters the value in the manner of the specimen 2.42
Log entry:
11.39
